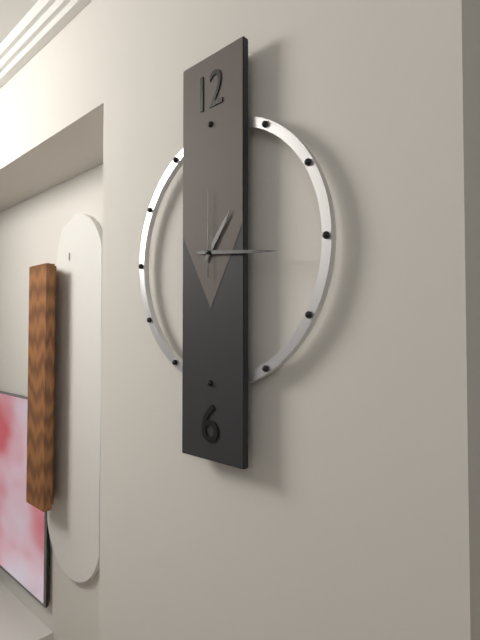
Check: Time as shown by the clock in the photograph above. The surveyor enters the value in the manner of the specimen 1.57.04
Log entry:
1.16.00
